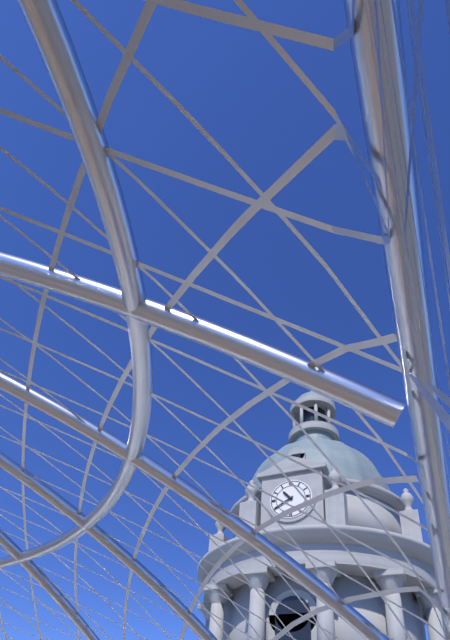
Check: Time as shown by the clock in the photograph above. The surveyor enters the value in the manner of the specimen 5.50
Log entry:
10.40
